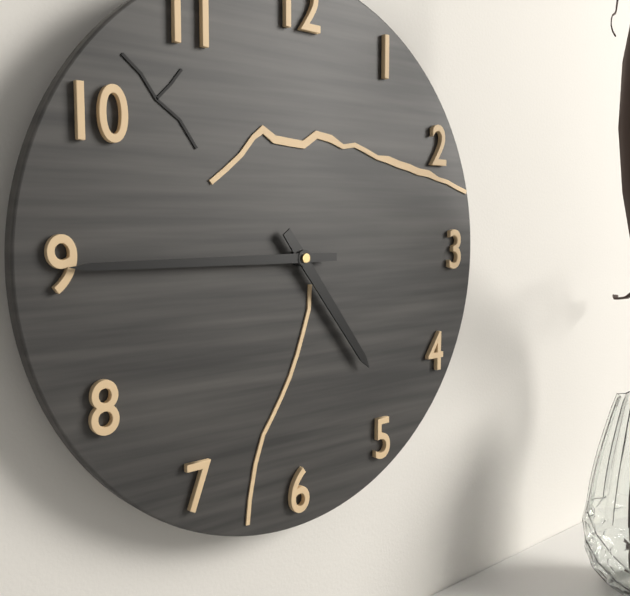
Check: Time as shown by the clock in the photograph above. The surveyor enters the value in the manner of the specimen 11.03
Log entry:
4.45
